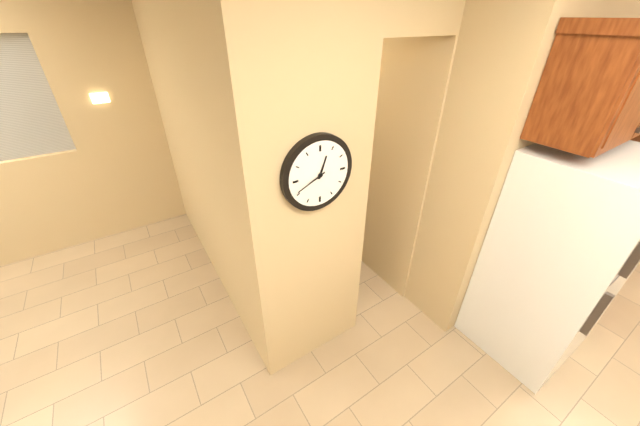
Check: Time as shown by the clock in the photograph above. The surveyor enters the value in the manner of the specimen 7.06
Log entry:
12.41
